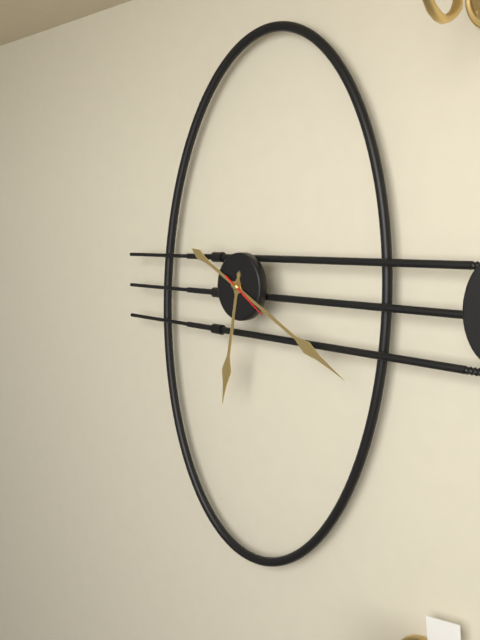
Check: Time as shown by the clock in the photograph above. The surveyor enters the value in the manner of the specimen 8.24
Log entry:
6.20
